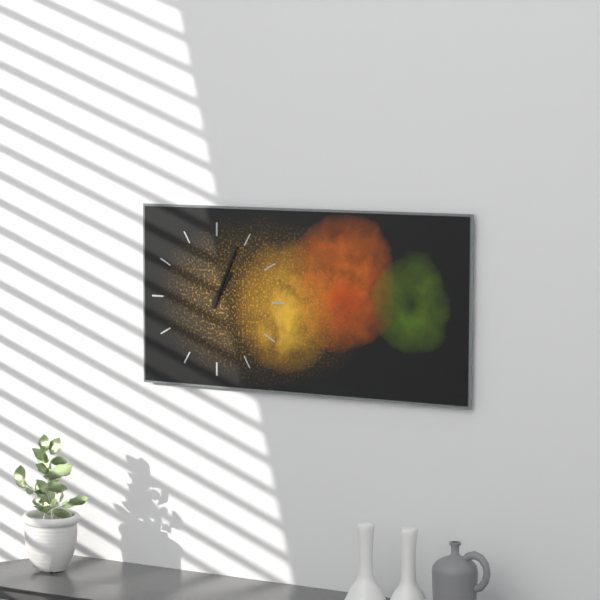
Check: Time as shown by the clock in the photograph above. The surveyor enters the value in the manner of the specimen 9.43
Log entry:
1.04
